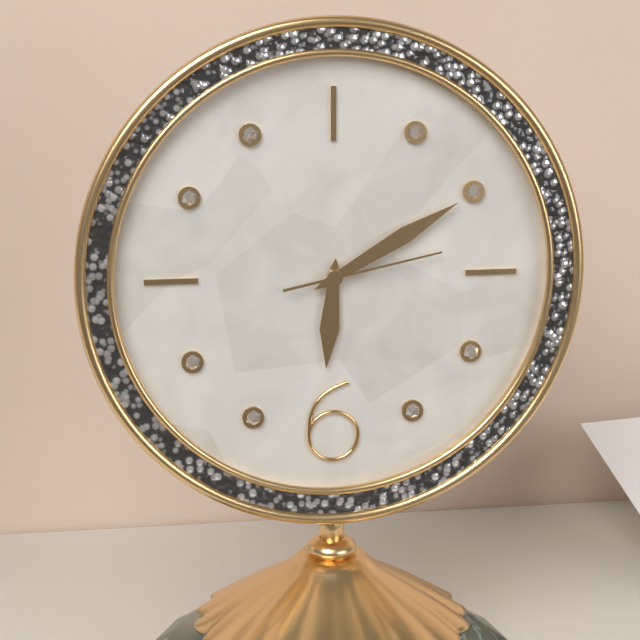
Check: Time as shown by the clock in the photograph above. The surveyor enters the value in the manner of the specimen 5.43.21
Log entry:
6.10.13
